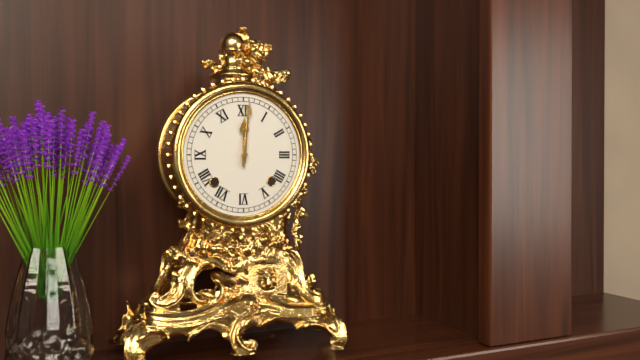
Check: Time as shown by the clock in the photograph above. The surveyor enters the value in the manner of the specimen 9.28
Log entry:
12.01
